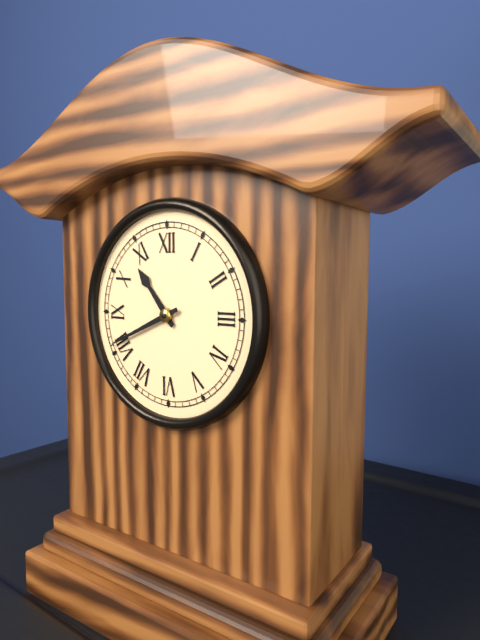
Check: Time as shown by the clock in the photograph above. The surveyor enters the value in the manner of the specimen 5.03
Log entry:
10.41
